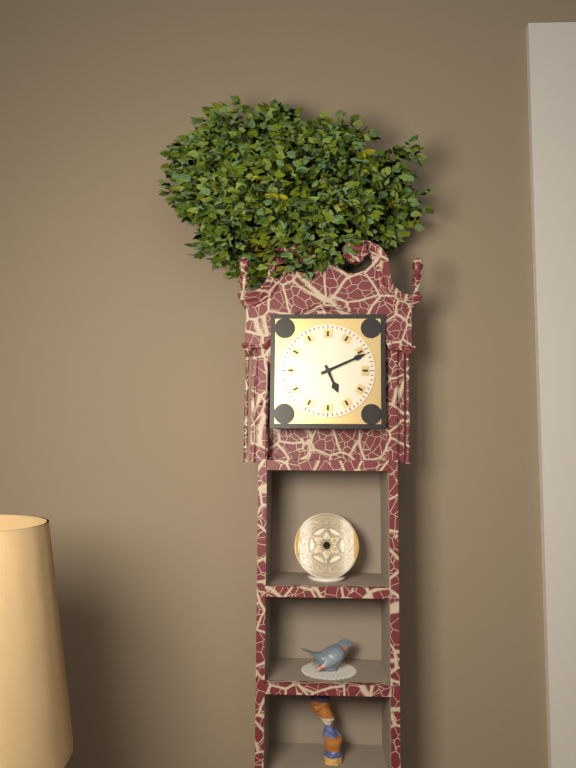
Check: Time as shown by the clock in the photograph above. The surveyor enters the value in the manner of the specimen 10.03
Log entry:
5.11
